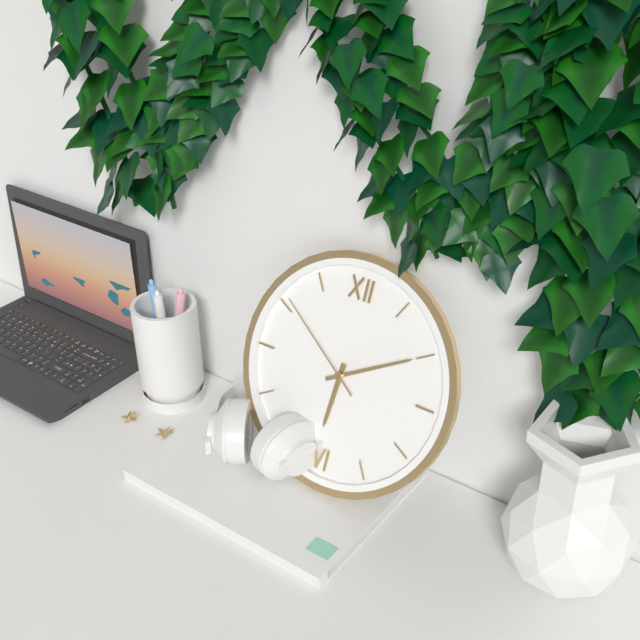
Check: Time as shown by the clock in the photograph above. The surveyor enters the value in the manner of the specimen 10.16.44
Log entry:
6.10.51
